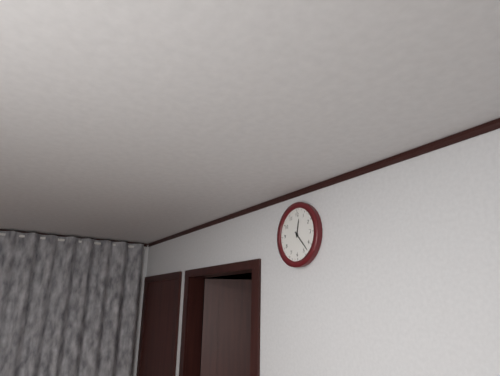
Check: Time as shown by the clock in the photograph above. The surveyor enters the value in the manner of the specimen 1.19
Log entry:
12.23
